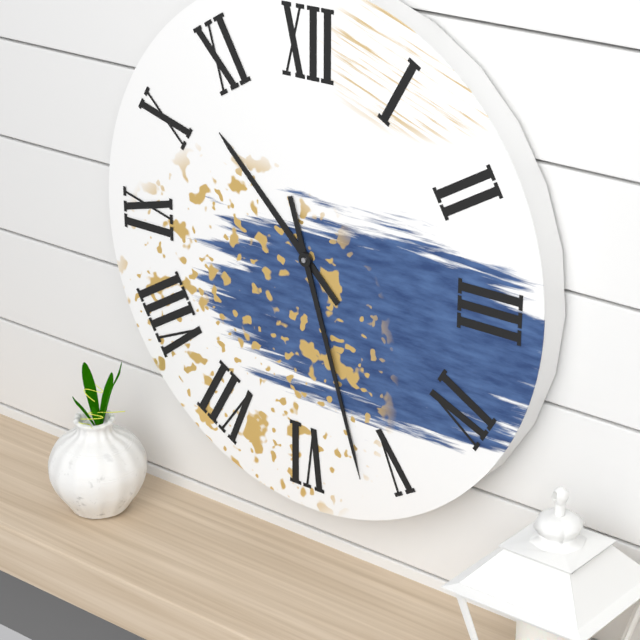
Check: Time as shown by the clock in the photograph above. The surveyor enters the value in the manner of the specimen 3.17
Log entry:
10.27
